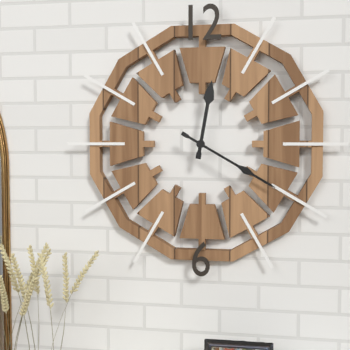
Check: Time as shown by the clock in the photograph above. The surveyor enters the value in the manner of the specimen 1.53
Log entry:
12.20
